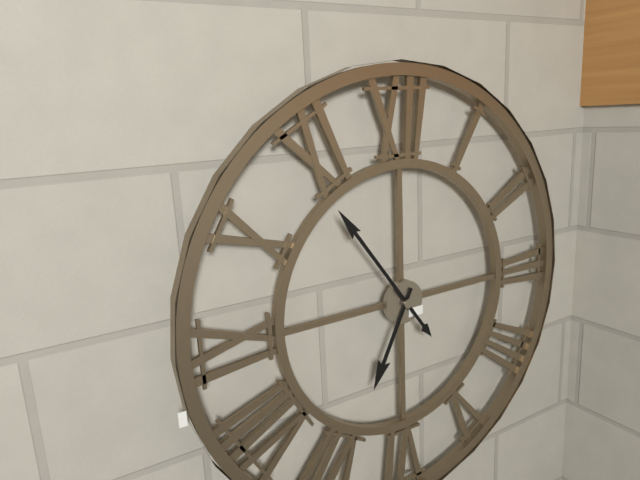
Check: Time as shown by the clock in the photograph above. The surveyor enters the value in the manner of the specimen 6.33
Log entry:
6.54
